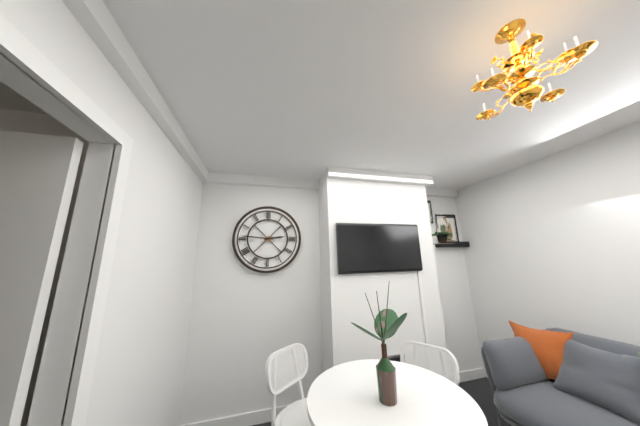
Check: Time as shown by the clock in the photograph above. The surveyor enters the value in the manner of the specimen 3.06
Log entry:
2.46
